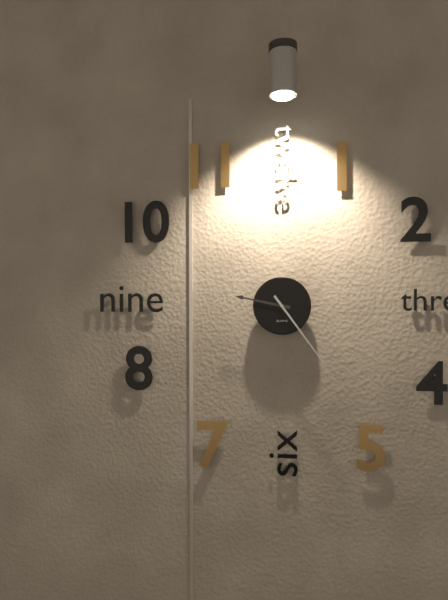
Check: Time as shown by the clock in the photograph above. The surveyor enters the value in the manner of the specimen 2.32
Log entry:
9.24
